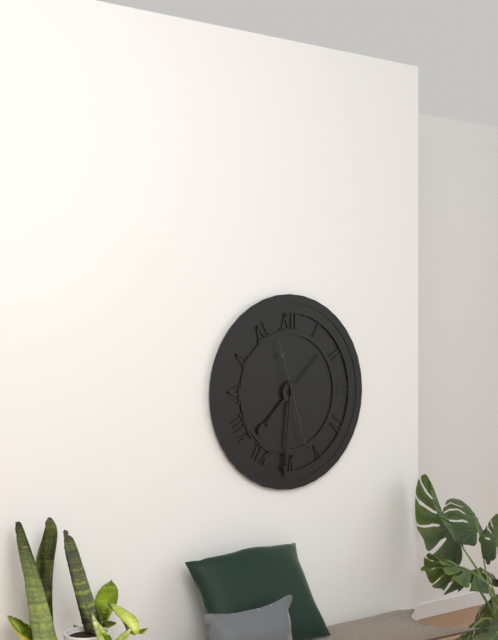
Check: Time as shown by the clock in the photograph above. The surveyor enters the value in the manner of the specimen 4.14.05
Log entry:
7.31.27
